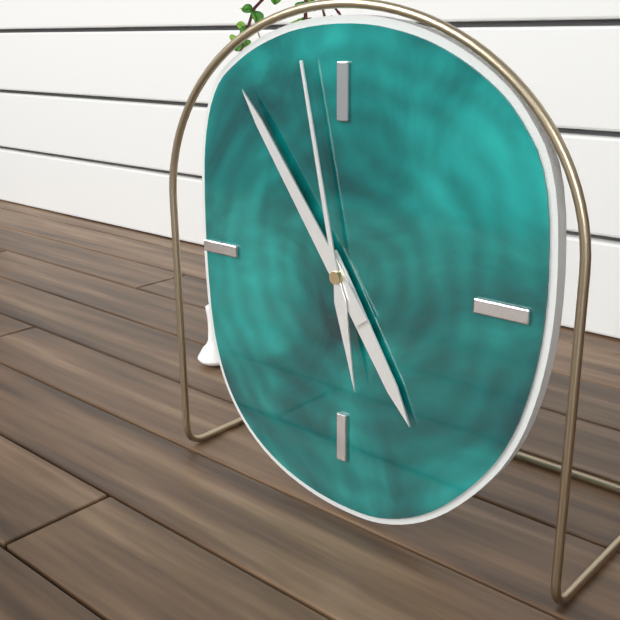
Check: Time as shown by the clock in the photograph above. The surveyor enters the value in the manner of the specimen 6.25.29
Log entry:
4.54.58
